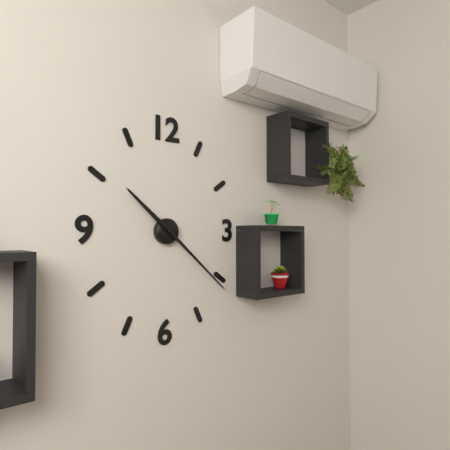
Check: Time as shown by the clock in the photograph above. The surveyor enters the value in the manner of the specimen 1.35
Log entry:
10.22
